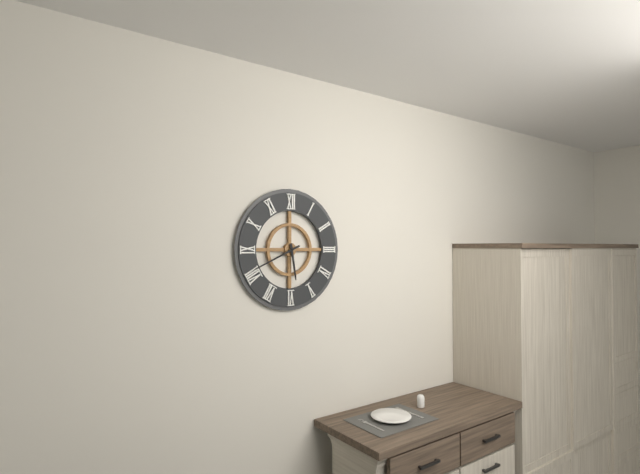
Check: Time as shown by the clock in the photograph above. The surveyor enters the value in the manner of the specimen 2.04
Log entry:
5.41
